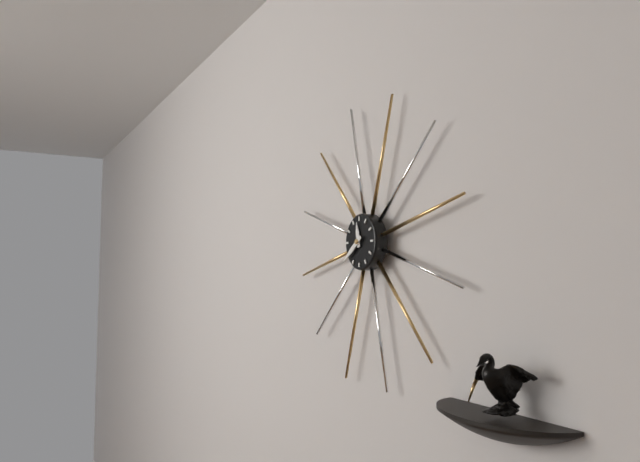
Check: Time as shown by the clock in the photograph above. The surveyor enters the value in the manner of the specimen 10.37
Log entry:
11.39
